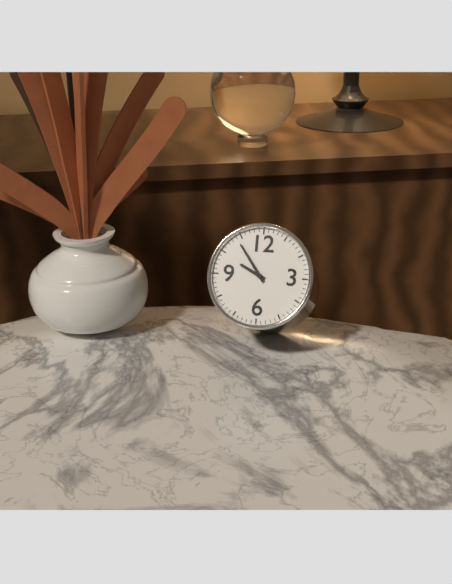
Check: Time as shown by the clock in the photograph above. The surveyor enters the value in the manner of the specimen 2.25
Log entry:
9.54
